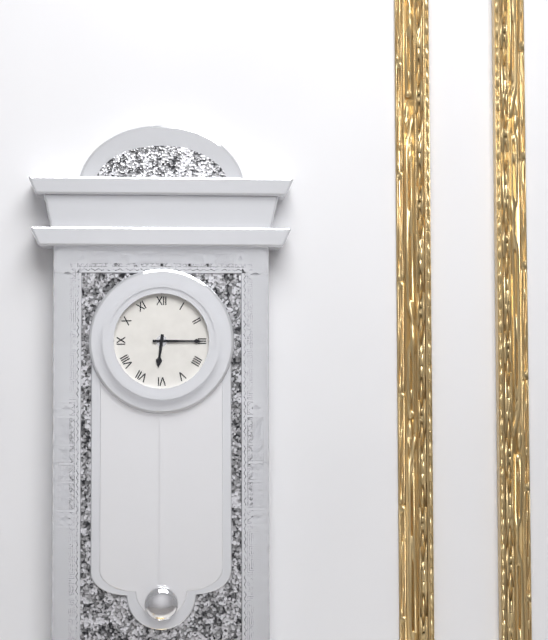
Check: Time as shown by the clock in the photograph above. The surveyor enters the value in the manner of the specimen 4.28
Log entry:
6.15
